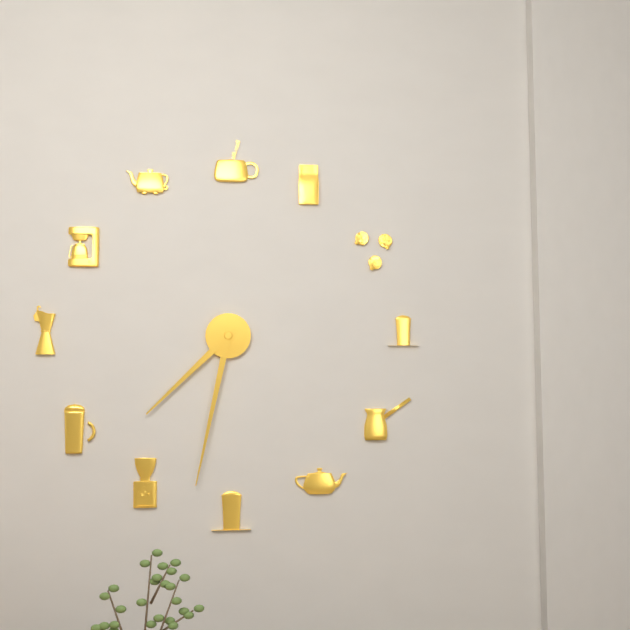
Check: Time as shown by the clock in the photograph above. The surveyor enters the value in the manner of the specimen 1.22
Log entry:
7.32
